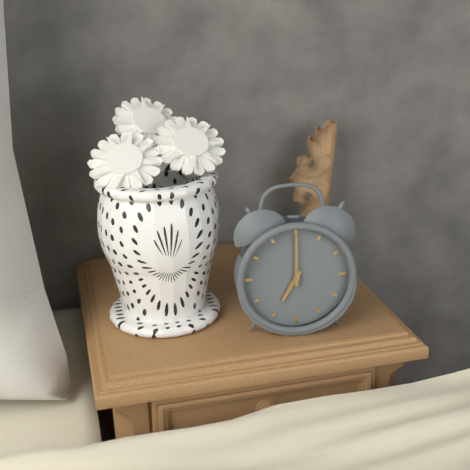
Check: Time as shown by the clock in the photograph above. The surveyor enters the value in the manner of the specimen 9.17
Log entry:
7.00
